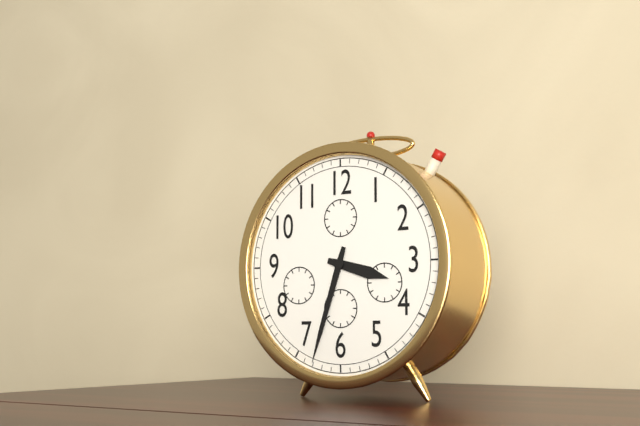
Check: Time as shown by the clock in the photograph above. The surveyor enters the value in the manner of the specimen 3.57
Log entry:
3.33
